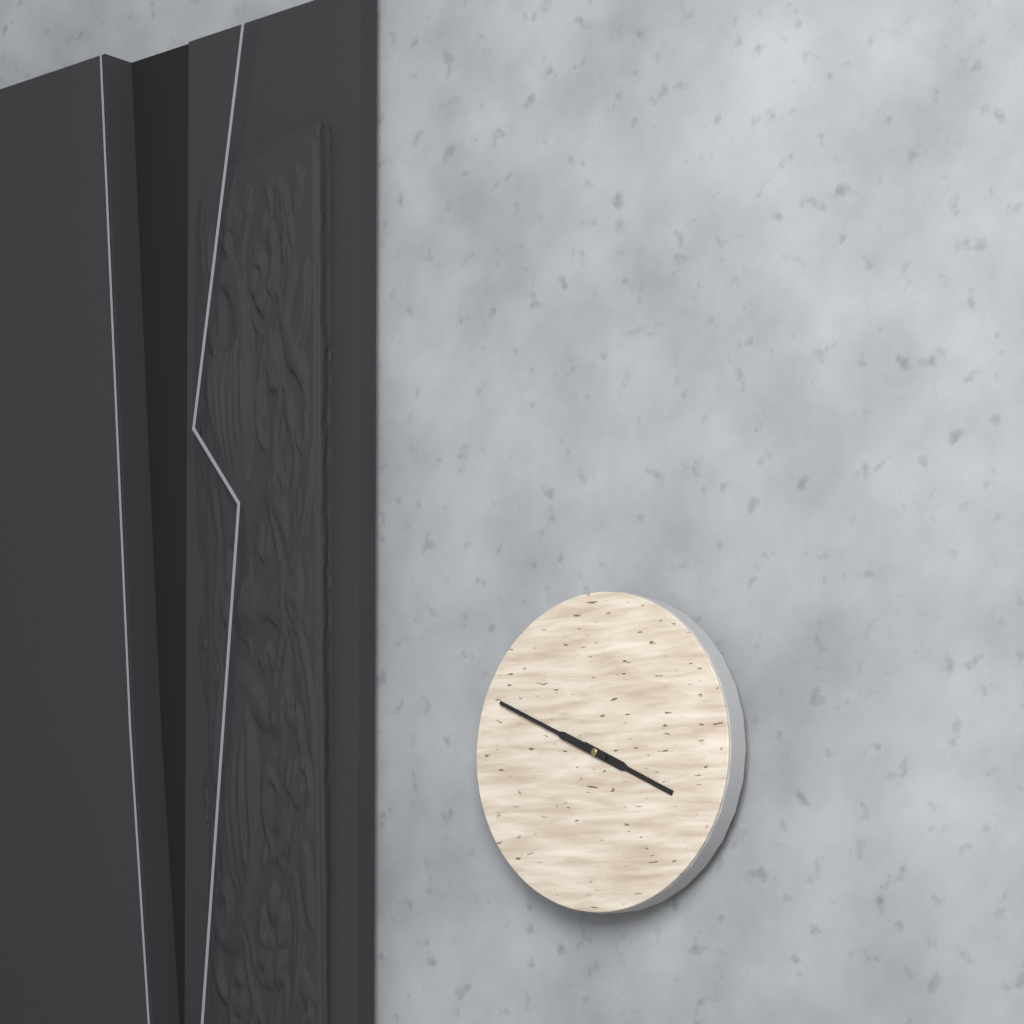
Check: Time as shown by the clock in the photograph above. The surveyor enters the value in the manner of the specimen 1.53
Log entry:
3.49
